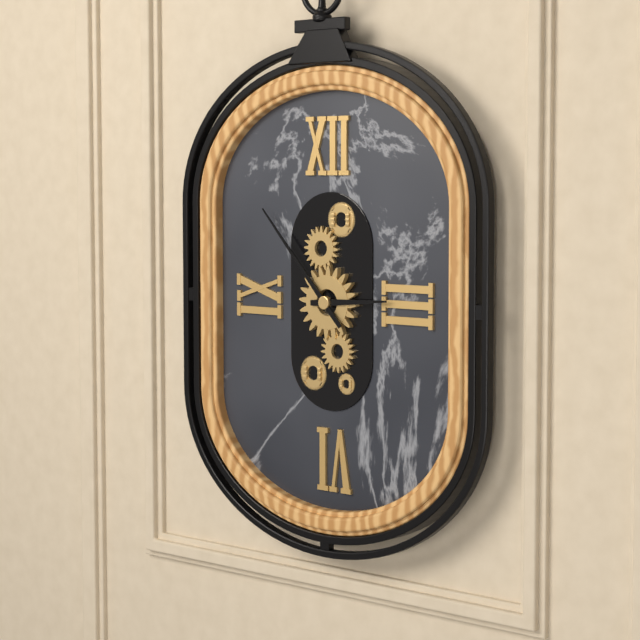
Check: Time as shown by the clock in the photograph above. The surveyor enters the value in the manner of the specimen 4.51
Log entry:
2.53
